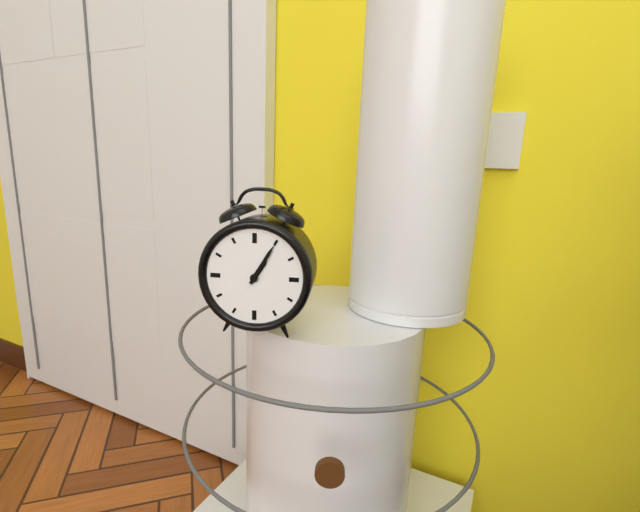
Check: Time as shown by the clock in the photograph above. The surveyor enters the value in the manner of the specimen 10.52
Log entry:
1.05
